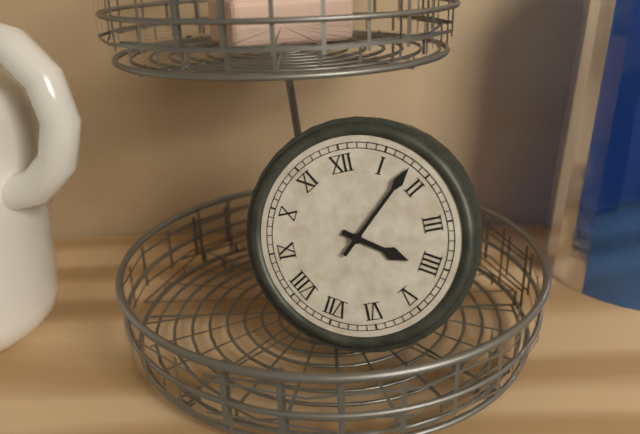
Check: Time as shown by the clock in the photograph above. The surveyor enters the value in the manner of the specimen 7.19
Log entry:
4.08
